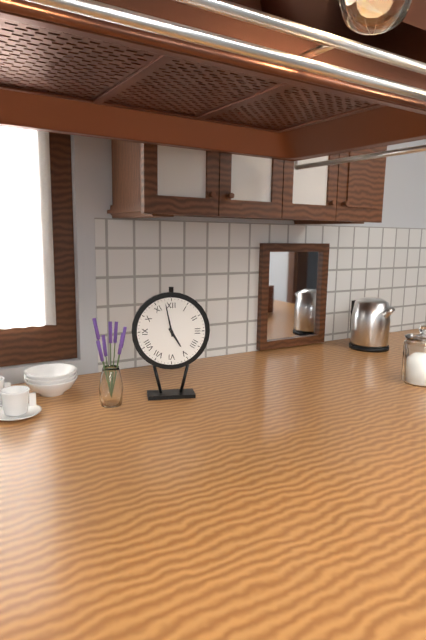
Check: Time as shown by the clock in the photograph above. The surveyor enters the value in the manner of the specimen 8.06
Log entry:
4.58
